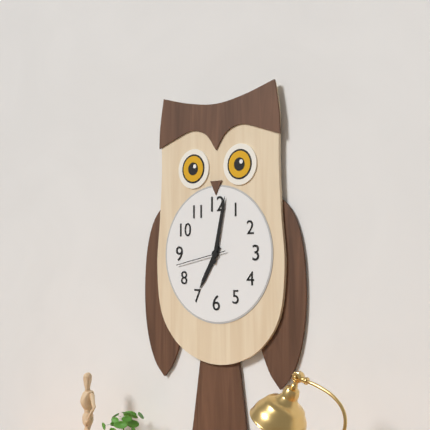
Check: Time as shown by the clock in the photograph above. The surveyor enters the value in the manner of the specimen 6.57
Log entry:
7.02
